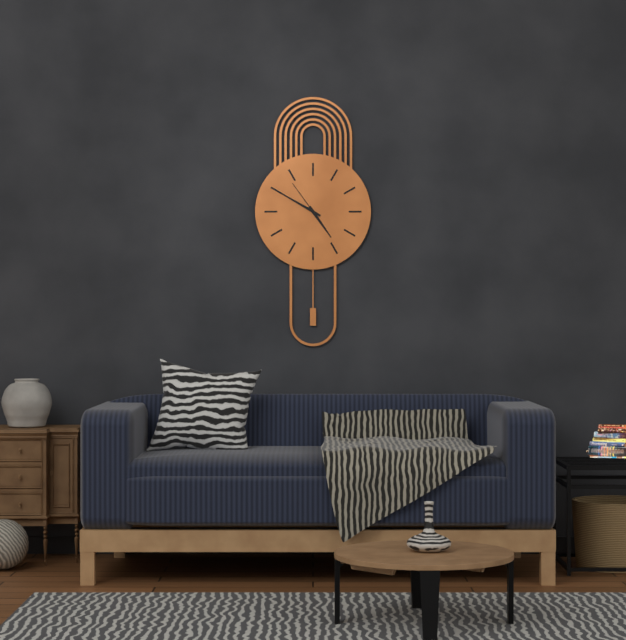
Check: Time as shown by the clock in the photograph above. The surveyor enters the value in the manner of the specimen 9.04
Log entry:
4.50
